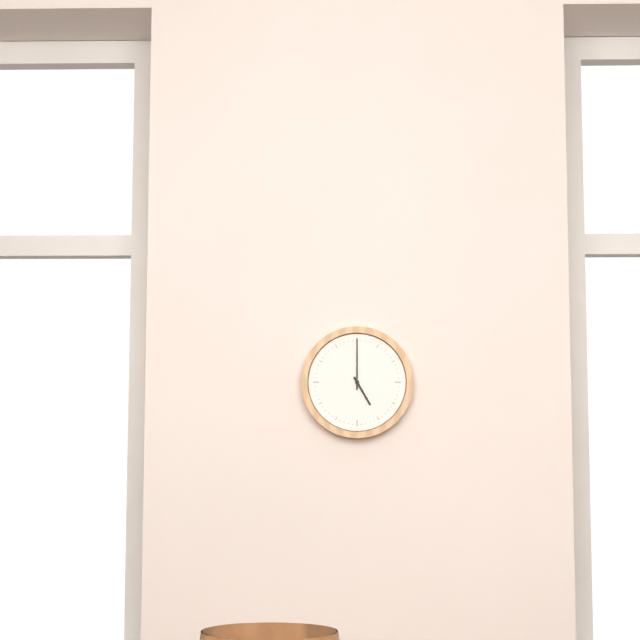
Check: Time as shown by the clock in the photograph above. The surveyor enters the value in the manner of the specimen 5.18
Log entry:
5.00
